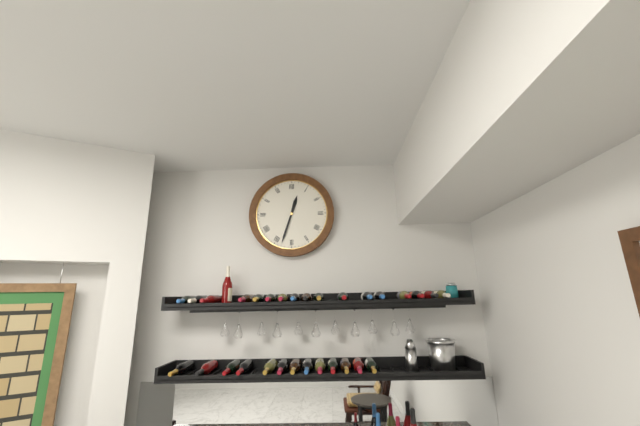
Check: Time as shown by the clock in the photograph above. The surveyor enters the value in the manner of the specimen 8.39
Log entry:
12.33
